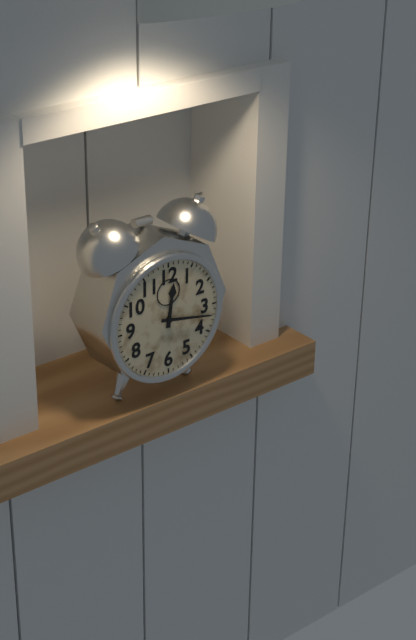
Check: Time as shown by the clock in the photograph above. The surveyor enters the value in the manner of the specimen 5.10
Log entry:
12.17
